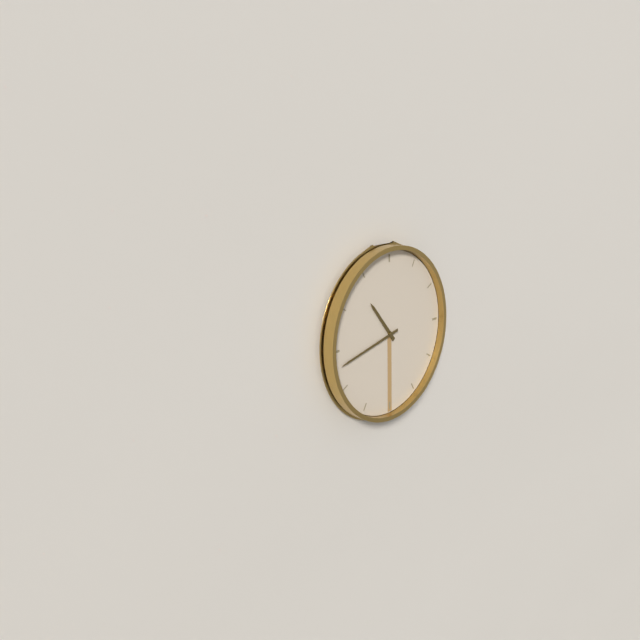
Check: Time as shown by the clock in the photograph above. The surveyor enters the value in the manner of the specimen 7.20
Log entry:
10.43
